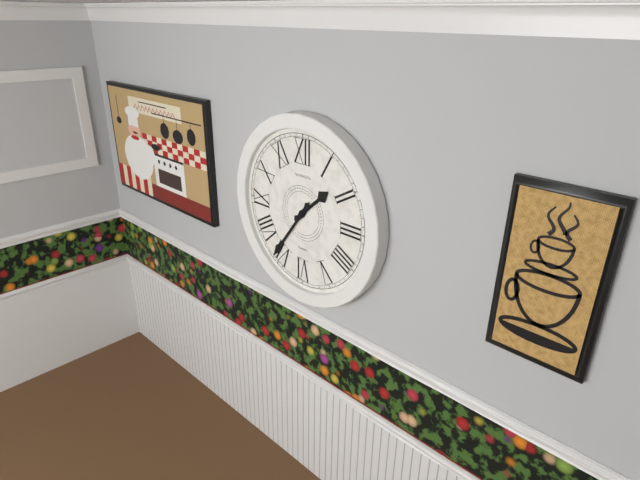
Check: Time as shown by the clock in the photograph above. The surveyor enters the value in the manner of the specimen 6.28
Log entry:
1.36
